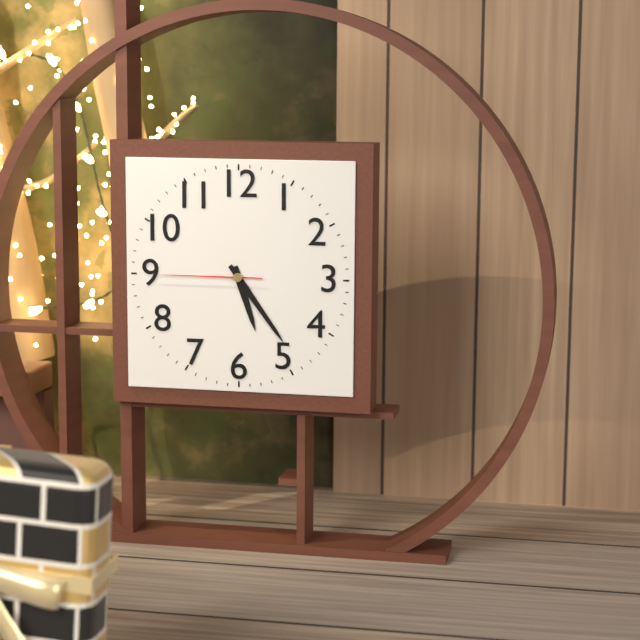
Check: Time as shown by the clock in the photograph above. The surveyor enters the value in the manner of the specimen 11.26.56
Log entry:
5.24.45
